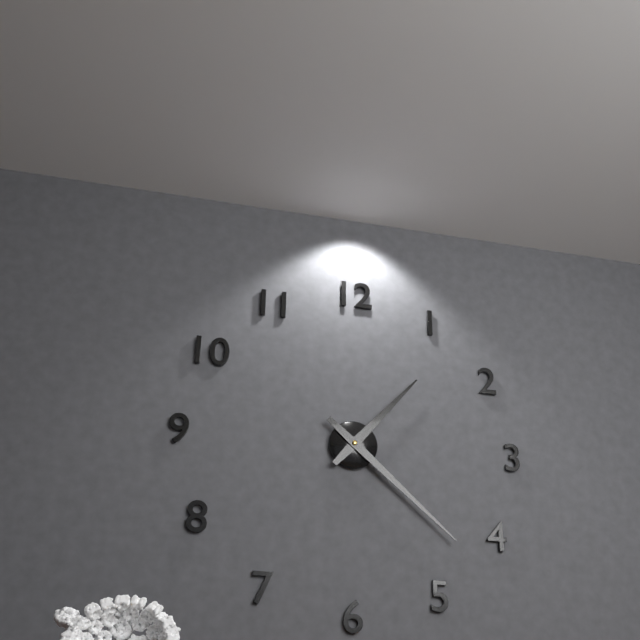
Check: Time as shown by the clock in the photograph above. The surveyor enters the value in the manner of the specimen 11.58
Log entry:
1.22
